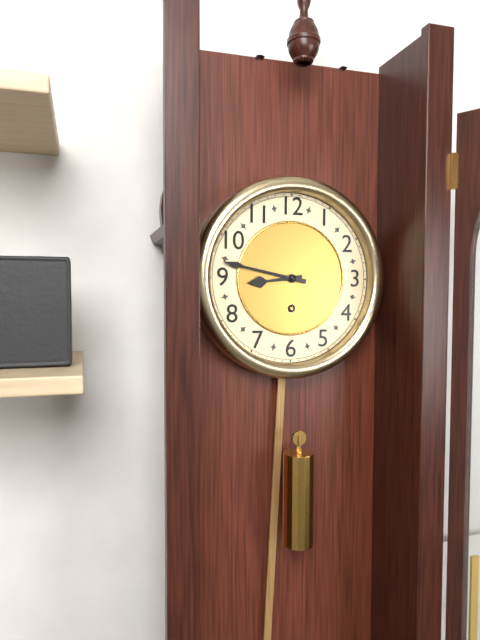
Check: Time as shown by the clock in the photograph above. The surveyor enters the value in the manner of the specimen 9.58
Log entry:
8.47
